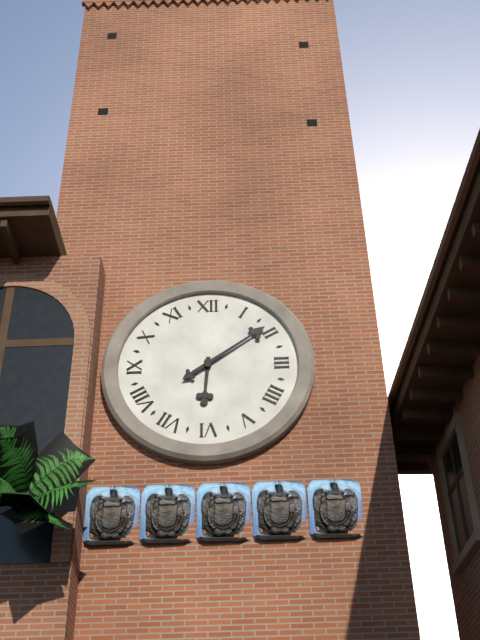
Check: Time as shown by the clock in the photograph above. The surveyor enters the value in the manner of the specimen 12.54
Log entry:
6.09
